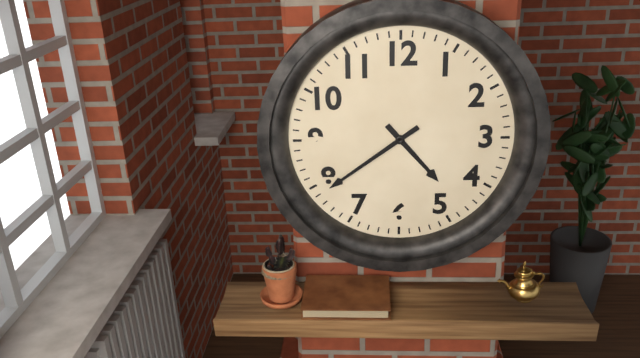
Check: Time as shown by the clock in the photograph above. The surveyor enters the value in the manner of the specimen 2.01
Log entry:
4.39
